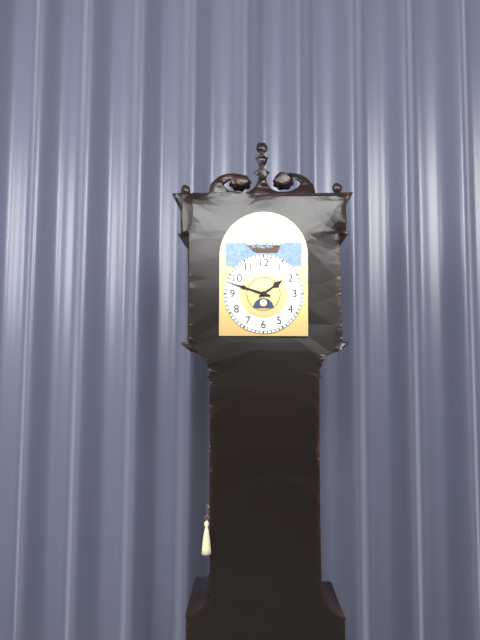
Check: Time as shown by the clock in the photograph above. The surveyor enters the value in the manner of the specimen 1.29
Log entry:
1.48
